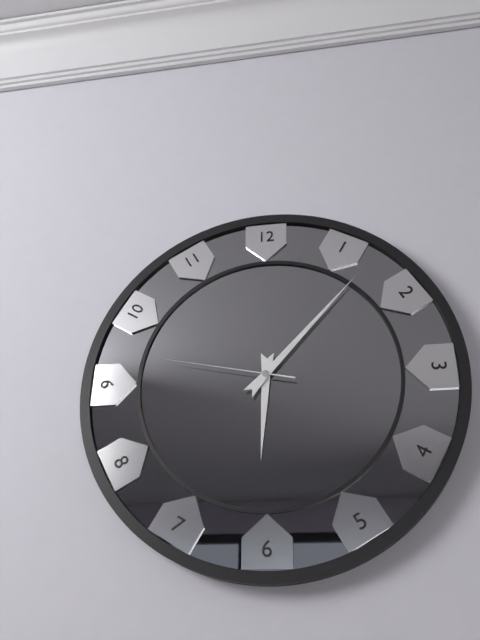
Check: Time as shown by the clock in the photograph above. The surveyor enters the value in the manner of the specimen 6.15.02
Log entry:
6.07.47
